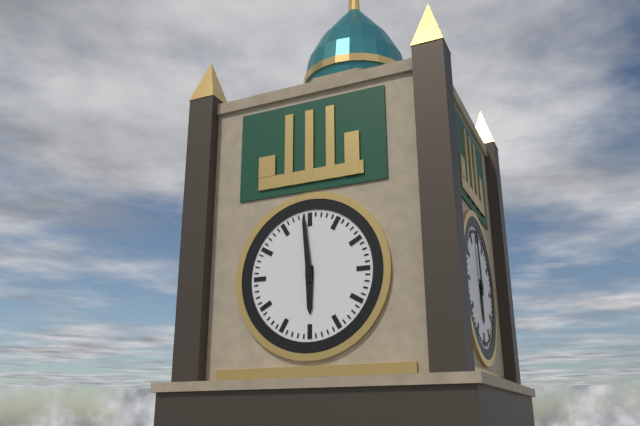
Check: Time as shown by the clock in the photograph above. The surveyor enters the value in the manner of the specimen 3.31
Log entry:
5.59
